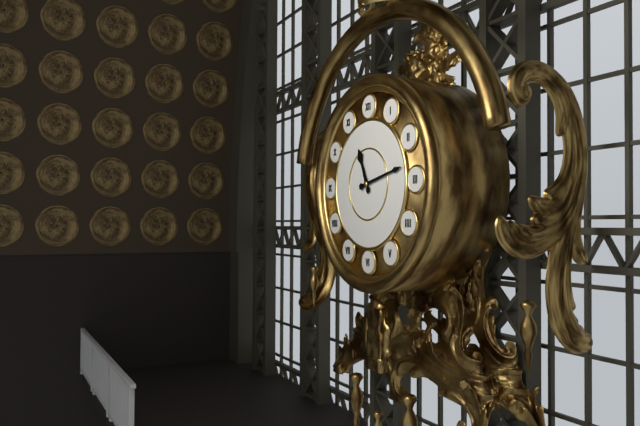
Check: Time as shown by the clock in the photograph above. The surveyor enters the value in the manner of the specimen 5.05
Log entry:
11.13
